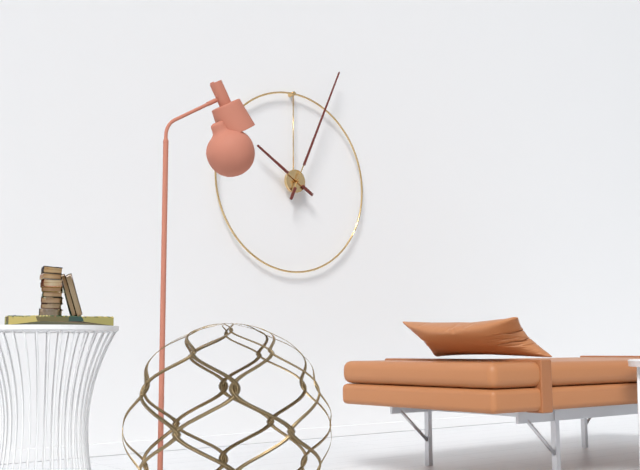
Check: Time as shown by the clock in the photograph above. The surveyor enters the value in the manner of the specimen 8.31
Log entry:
10.04
